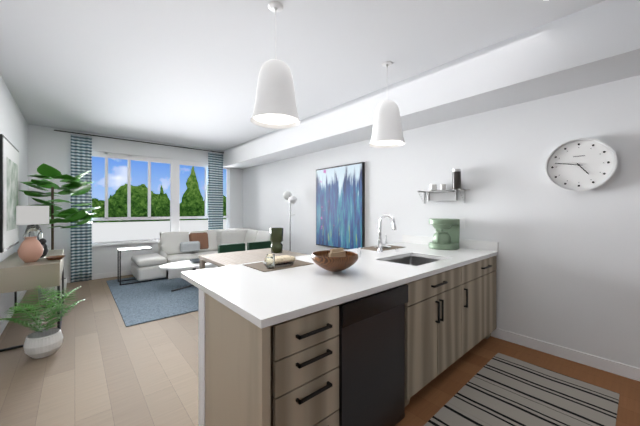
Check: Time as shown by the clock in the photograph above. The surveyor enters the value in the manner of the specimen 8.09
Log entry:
4.47
